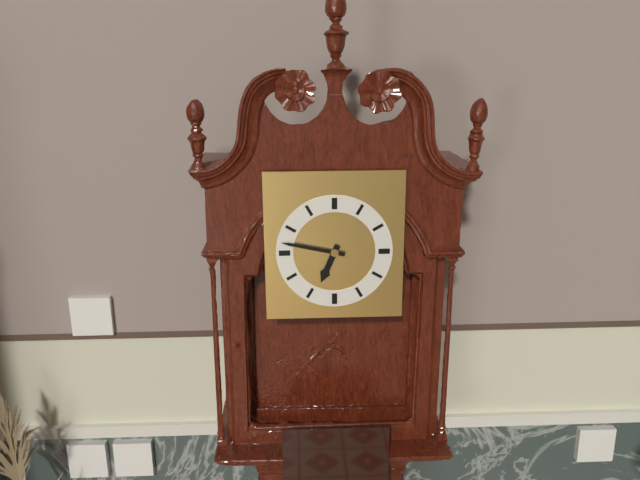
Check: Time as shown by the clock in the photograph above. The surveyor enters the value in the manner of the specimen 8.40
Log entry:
6.47
